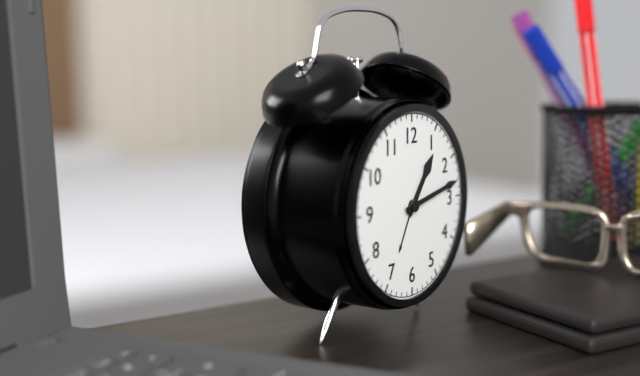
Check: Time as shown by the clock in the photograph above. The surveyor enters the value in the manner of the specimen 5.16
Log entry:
1.13
